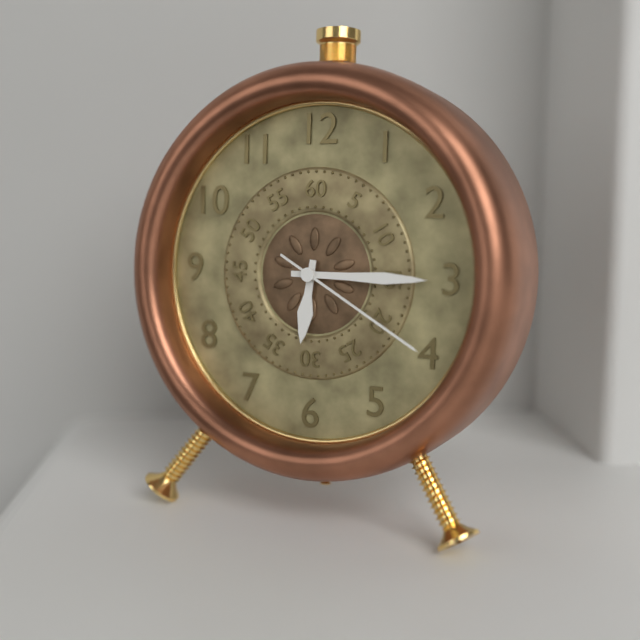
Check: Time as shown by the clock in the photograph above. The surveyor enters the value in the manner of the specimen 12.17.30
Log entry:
6.15.20
